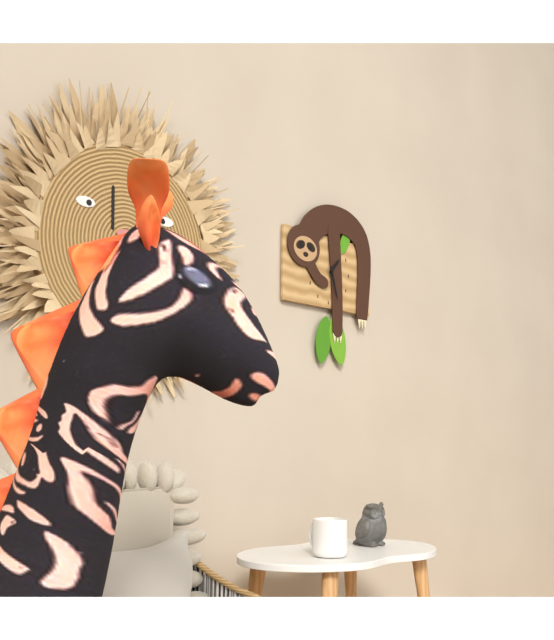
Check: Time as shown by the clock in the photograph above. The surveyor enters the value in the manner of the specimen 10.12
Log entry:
1.27
